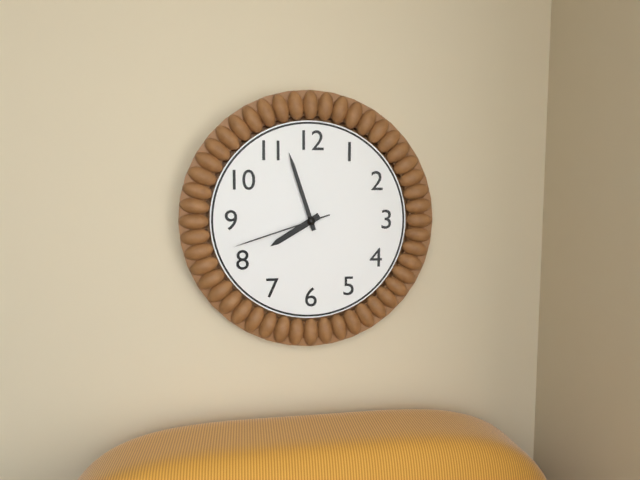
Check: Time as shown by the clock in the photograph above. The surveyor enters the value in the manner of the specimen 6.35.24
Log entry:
7.57.42
